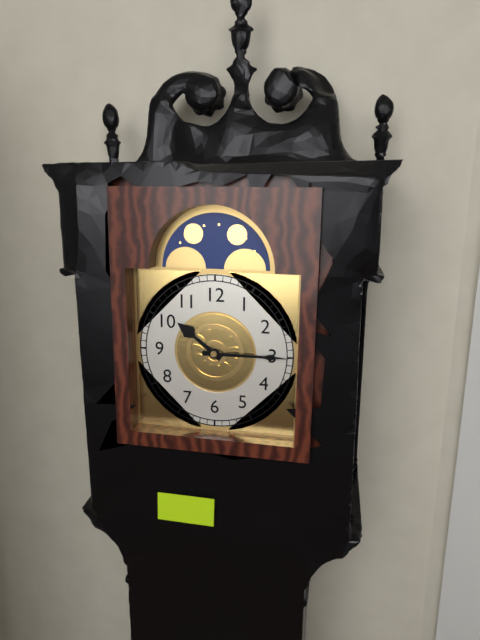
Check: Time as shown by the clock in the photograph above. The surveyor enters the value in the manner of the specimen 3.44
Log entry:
10.15
